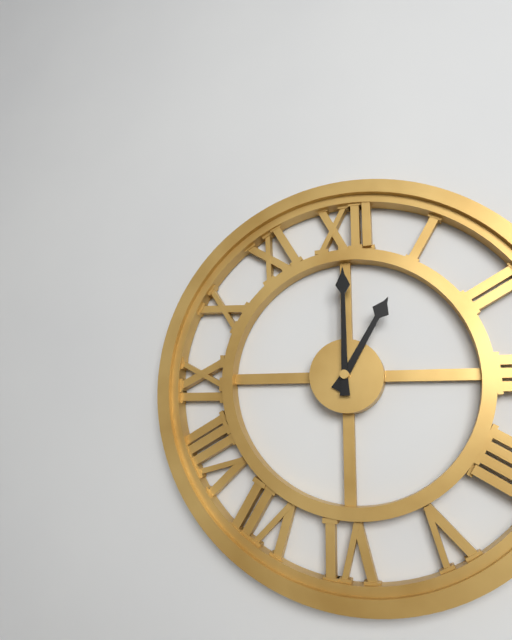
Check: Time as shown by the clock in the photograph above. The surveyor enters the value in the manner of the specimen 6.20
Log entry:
1.00
